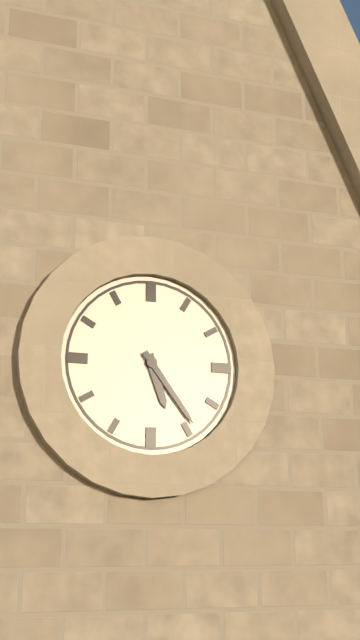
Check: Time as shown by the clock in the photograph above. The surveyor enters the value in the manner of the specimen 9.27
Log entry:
5.24
